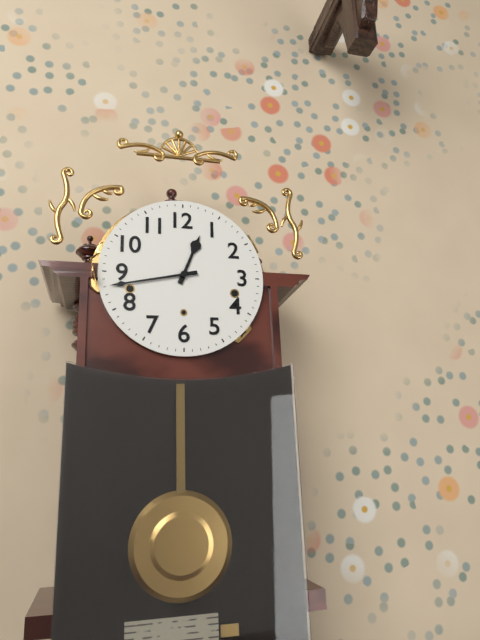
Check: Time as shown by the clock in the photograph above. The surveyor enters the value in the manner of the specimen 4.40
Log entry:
12.43
